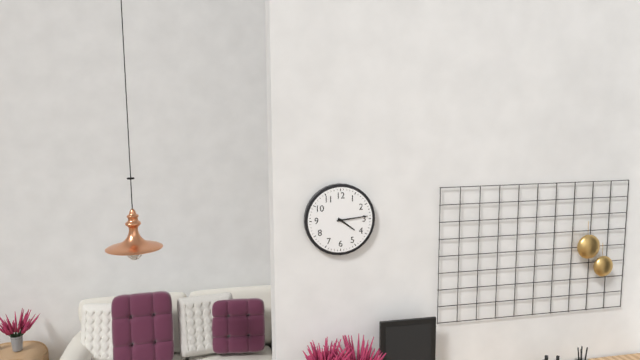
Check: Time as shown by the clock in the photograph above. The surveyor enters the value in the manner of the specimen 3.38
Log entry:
4.14
